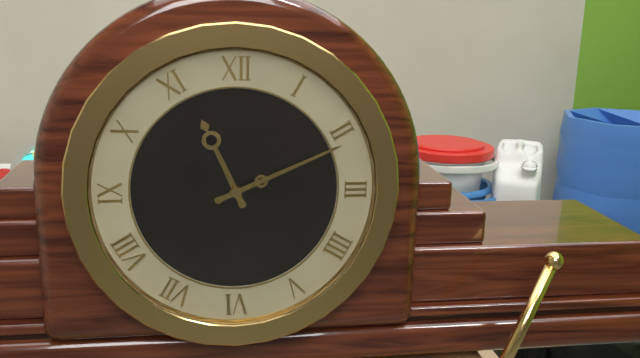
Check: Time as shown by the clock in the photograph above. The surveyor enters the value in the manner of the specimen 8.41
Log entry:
11.11
